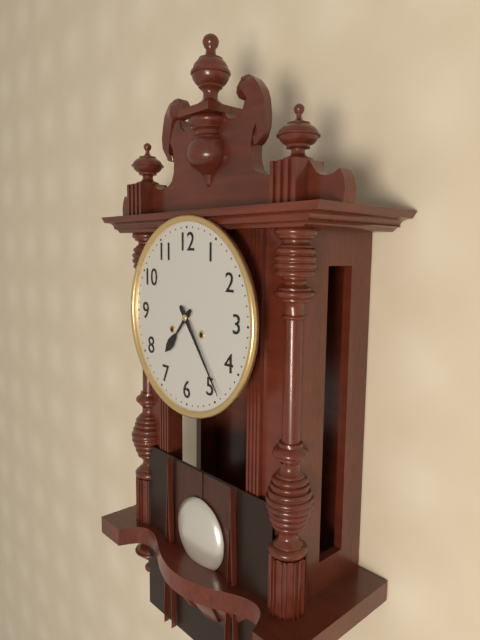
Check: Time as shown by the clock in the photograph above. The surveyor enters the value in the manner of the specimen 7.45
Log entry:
7.24
